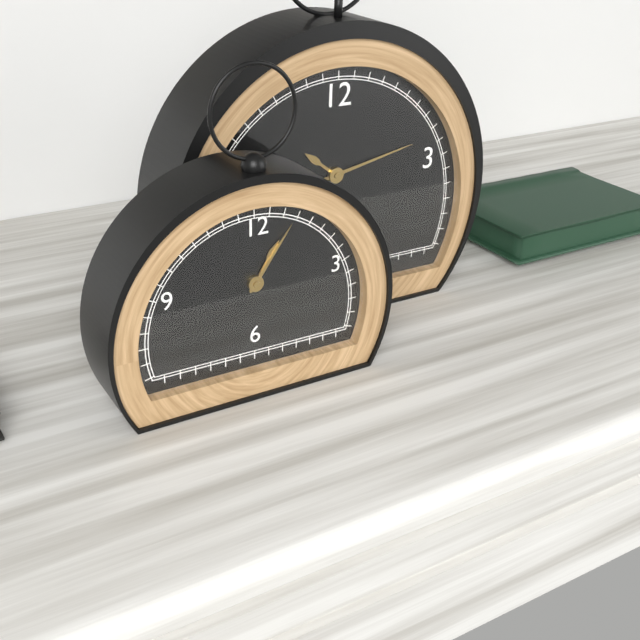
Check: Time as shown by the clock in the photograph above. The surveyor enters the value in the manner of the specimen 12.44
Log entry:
1.06
